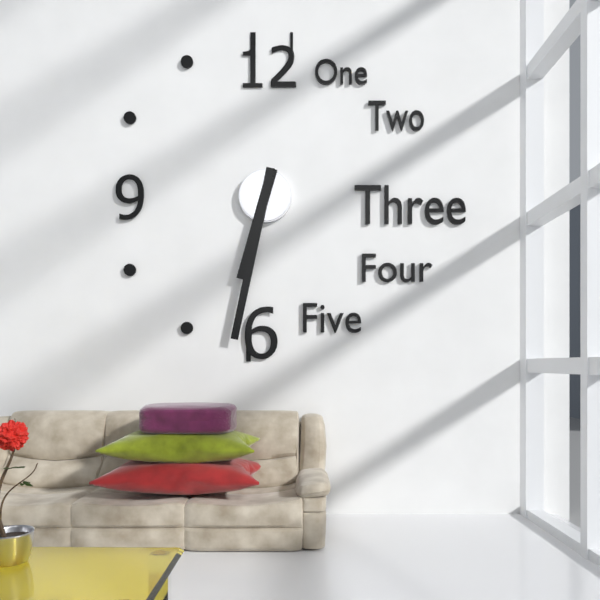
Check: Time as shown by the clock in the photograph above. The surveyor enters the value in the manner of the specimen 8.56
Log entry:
6.32
